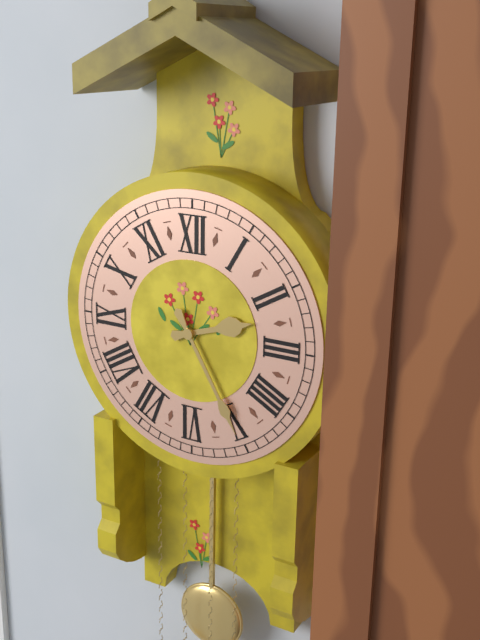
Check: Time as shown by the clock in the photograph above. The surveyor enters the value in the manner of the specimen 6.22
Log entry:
2.25
